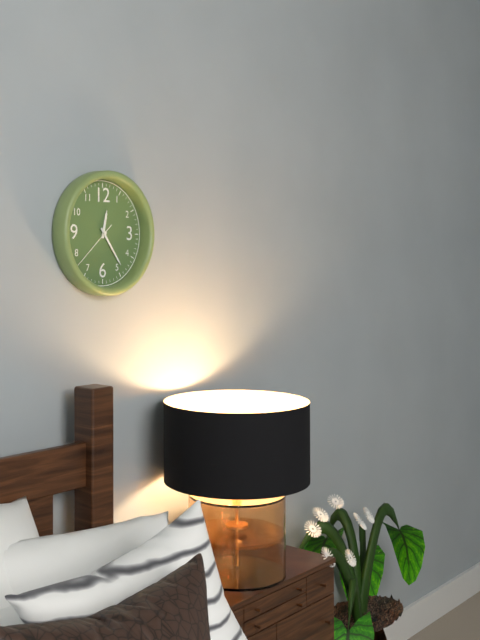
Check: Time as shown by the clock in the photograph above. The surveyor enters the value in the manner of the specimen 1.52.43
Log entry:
12.24.38
